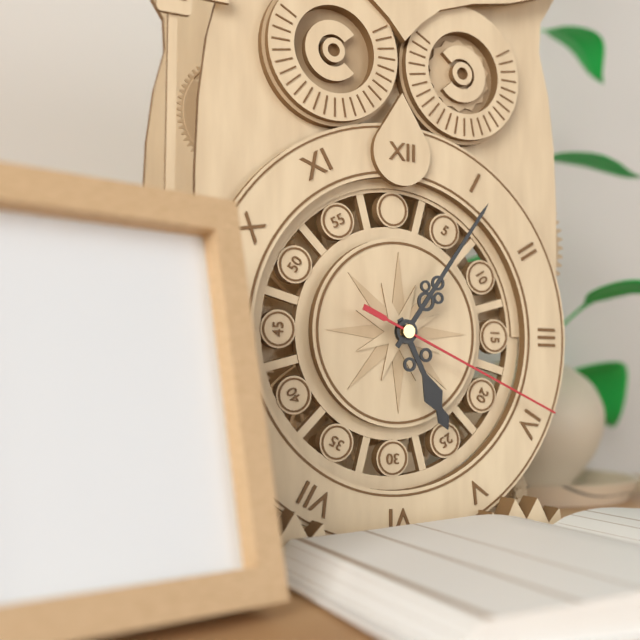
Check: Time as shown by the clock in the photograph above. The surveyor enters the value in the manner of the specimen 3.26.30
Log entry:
5.06.19
